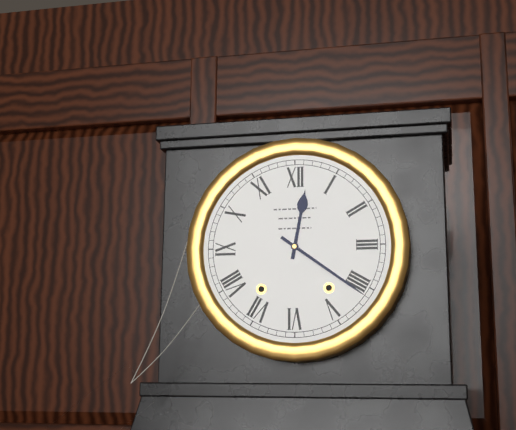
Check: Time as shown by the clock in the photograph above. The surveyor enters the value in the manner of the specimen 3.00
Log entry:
12.21
